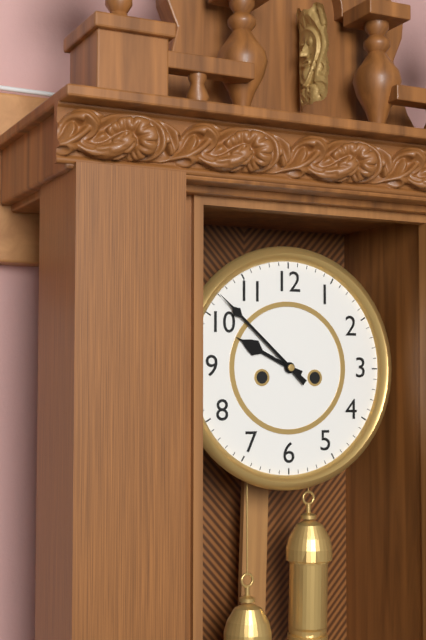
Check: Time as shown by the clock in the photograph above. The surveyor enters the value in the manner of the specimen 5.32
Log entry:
9.52
